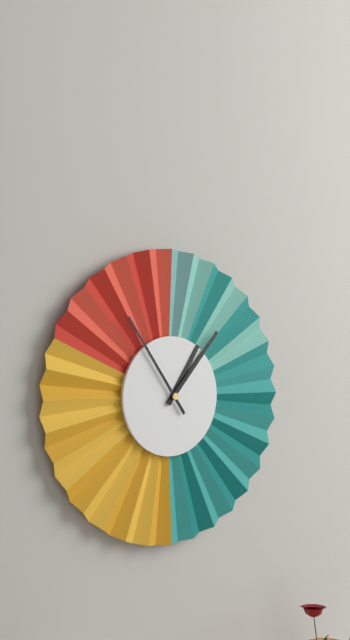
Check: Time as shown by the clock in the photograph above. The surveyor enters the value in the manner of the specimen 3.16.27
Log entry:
1.07.54
